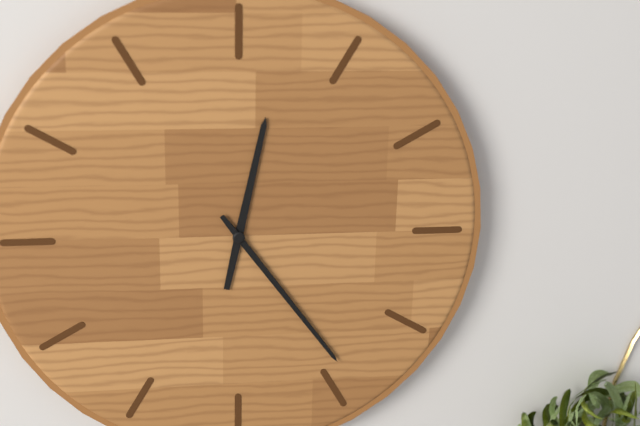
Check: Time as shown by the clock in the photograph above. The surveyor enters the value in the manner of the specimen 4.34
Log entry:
12.24
